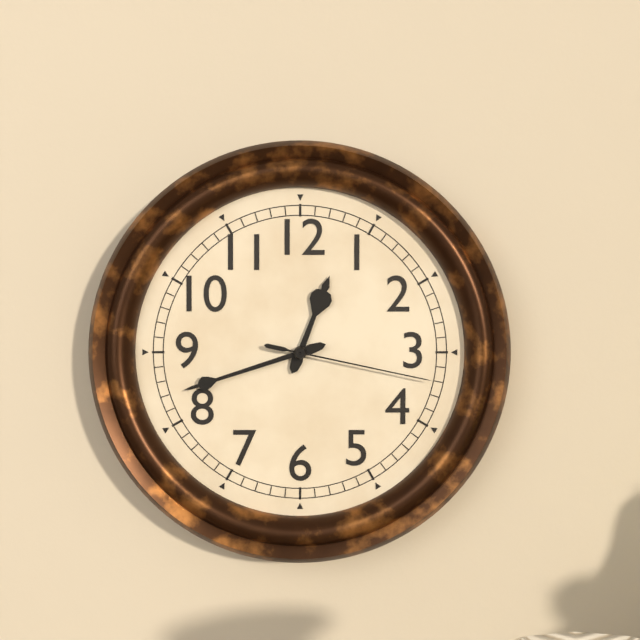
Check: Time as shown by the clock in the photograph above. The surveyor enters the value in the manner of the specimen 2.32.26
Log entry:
12.42.17
